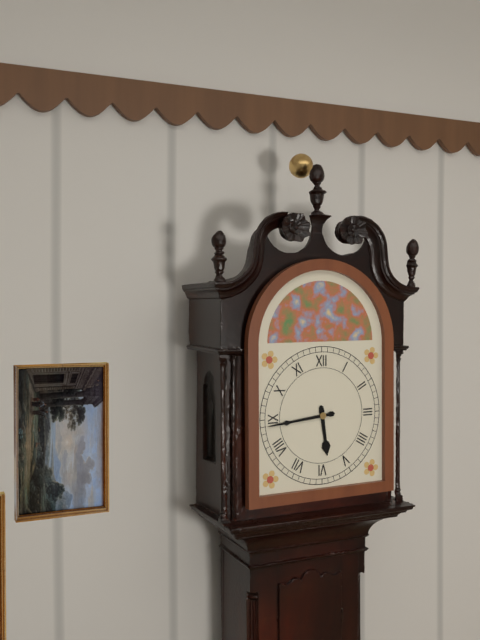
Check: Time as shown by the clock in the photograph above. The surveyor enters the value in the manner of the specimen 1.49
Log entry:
5.44
